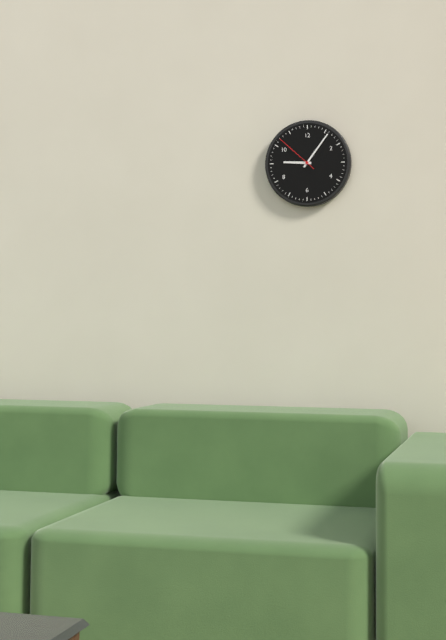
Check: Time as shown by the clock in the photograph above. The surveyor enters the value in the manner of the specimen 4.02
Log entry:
9.06
